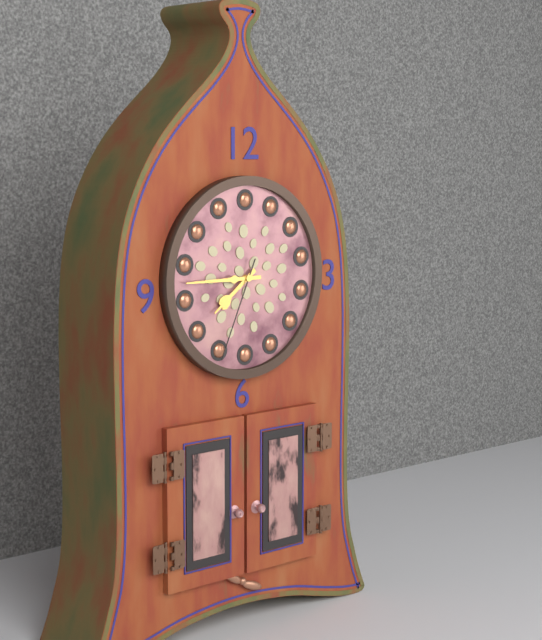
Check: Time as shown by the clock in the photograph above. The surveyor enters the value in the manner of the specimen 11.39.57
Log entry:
7.45.34
